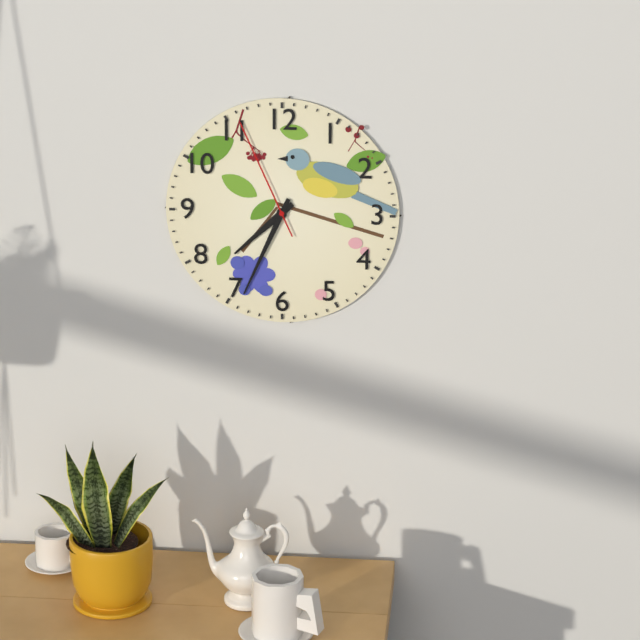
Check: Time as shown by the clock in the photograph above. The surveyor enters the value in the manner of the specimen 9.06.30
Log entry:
7.34.56
